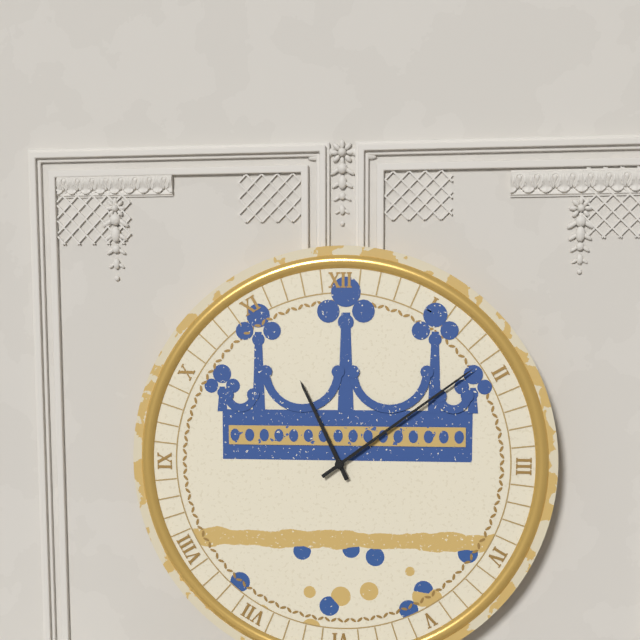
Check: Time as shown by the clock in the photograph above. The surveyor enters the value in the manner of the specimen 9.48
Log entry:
11.09
